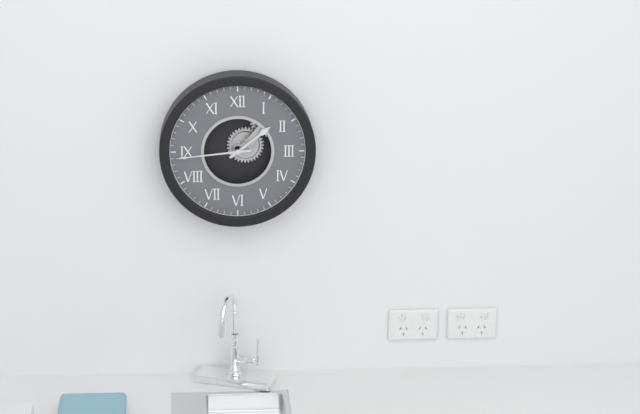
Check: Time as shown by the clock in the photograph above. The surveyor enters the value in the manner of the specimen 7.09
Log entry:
1.44
